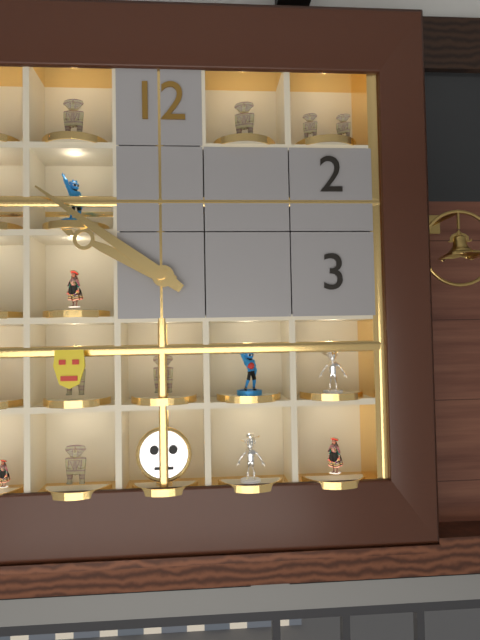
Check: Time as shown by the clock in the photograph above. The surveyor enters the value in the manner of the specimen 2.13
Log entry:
9.51
